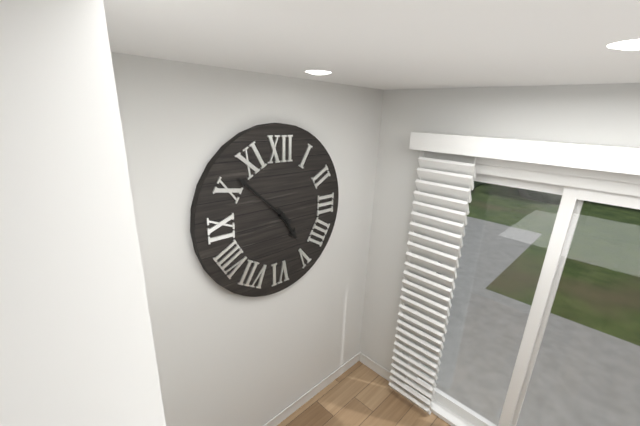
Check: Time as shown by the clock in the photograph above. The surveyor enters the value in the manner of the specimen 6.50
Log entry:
4.52
